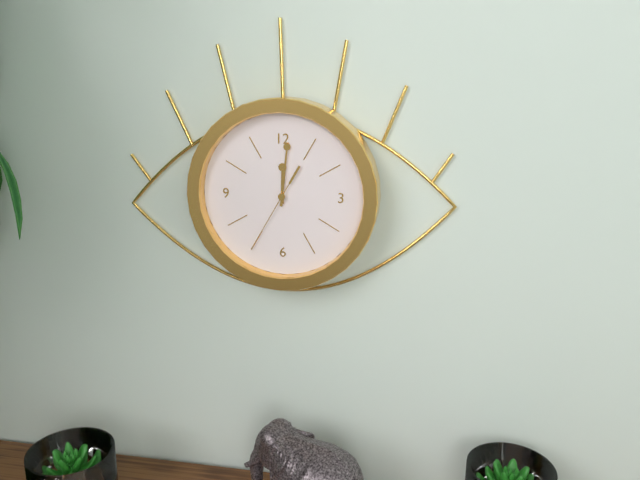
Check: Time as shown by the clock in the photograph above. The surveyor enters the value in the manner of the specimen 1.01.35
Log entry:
12.01.35
